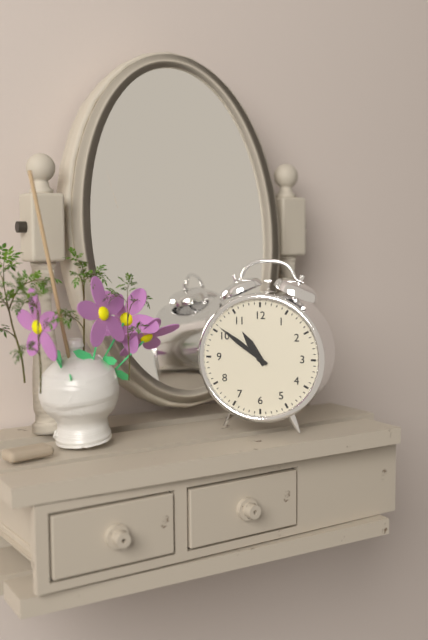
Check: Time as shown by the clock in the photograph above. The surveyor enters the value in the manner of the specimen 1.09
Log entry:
10.51
